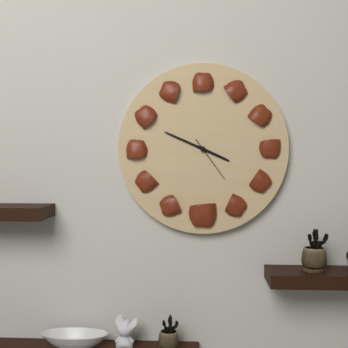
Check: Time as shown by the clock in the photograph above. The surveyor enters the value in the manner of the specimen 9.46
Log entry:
3.49
